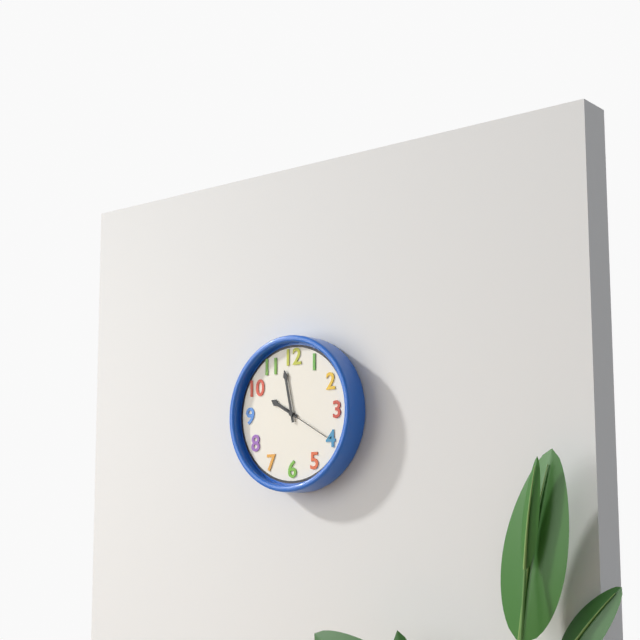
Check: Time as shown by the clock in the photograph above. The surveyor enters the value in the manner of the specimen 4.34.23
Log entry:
9.58.20
